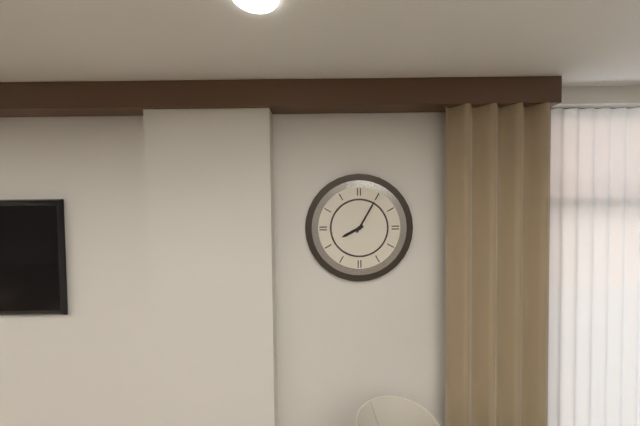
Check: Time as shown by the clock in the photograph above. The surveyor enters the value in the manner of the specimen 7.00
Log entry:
8.05
